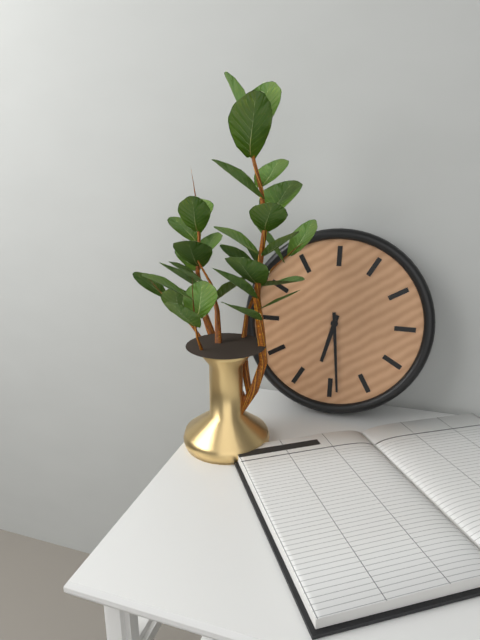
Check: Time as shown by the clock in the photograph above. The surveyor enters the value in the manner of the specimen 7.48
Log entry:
6.29
